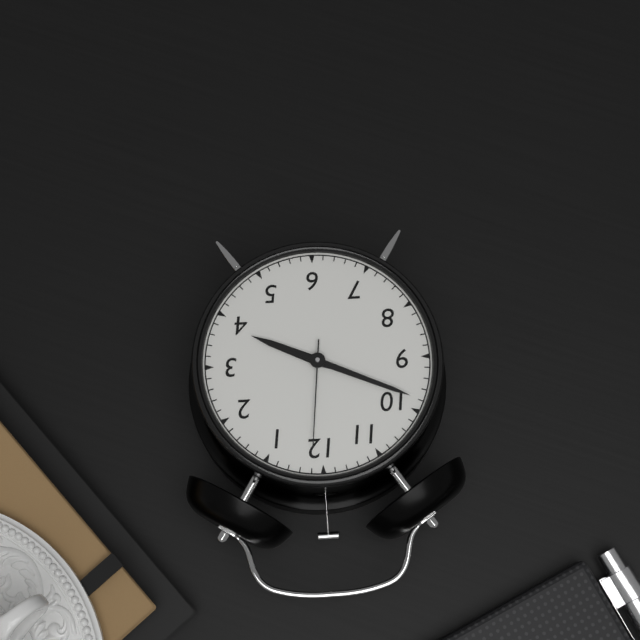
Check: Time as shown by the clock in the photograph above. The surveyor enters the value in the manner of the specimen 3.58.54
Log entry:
3.49.01
